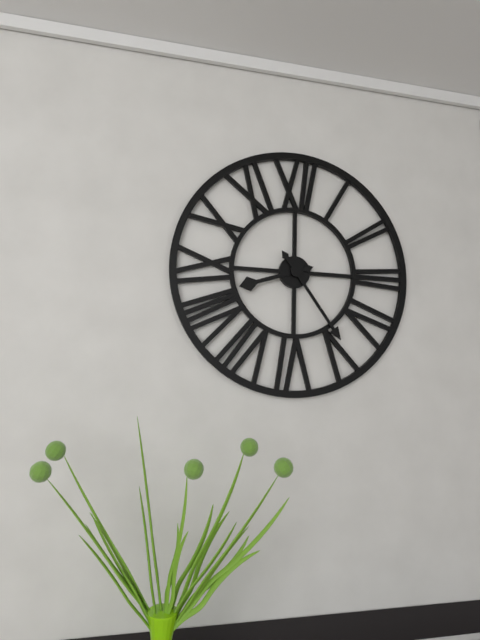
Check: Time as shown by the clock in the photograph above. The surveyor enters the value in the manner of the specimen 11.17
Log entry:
8.24
